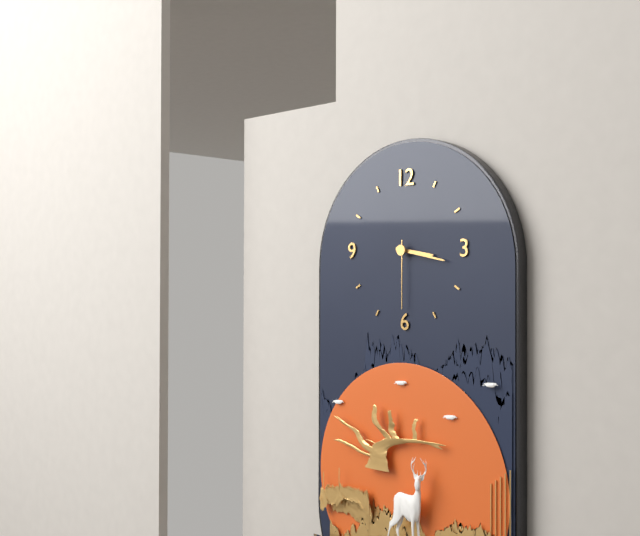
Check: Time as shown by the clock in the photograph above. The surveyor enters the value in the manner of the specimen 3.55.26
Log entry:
3.17.30
